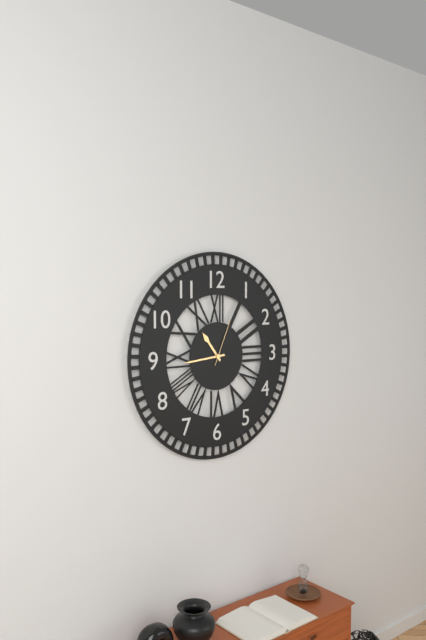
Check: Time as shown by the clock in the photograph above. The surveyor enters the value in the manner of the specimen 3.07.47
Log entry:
10.44.04
